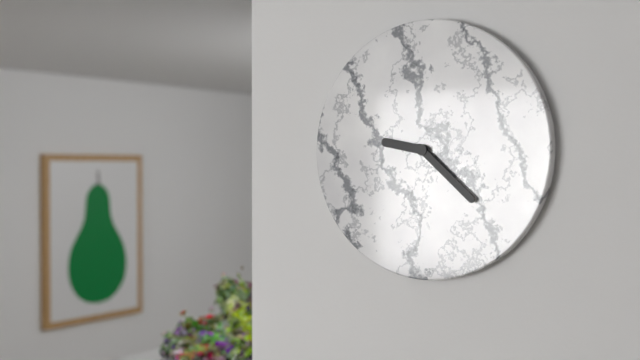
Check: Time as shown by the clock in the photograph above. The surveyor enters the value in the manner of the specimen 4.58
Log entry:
9.22
